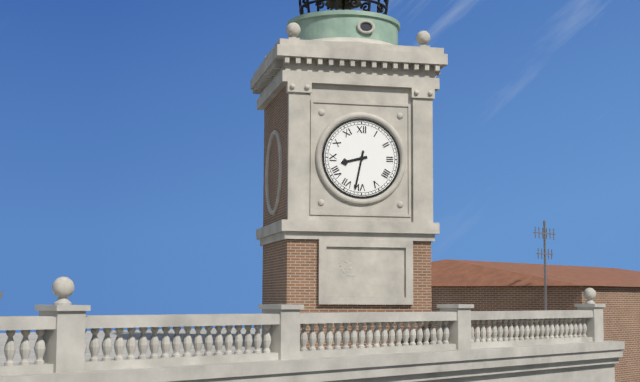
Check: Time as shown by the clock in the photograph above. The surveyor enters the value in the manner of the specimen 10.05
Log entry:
8.32
